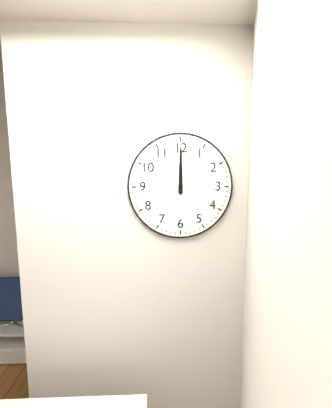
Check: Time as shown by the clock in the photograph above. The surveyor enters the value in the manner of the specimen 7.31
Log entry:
12.00
